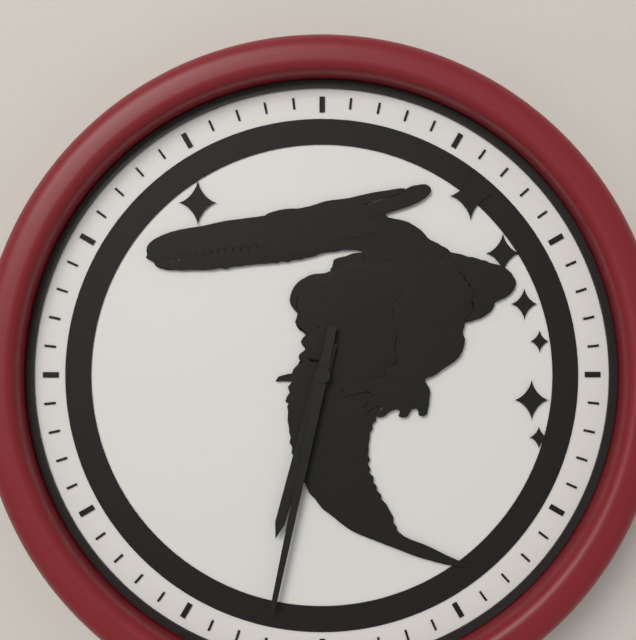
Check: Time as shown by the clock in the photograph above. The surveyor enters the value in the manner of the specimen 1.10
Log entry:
6.32
